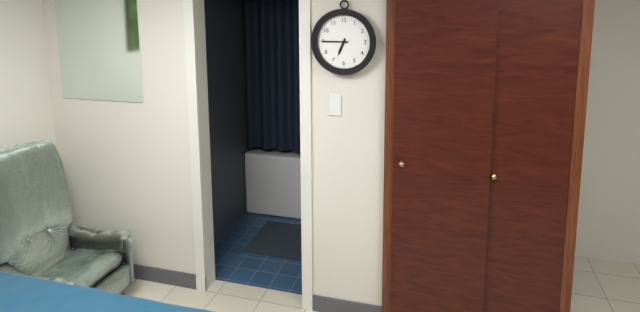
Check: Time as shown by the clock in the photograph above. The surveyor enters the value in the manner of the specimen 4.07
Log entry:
6.45
